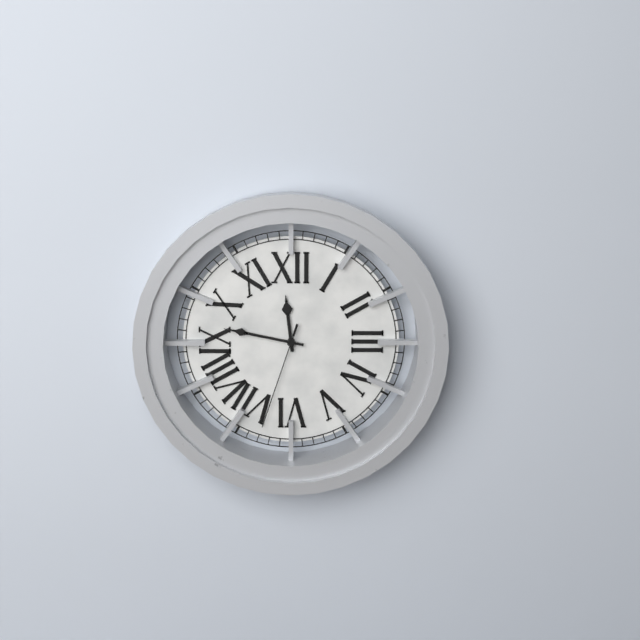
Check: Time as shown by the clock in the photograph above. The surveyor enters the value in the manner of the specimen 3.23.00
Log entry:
11.47.33
